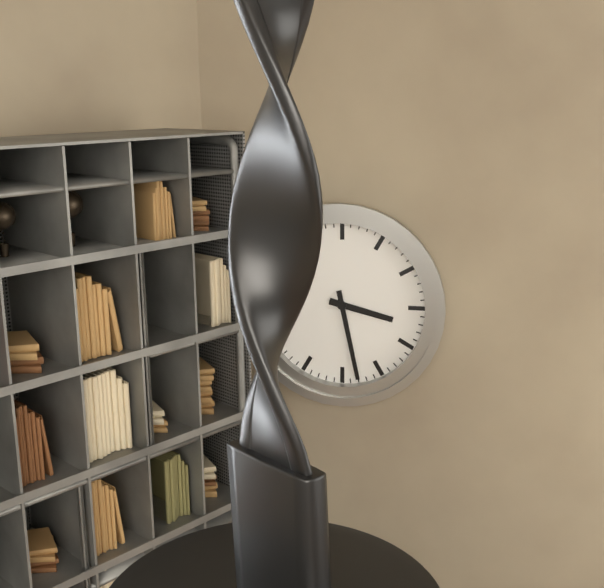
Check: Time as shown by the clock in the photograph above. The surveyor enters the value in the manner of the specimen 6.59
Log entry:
3.28
